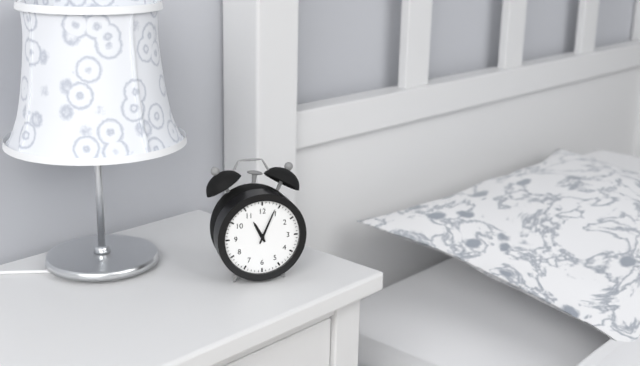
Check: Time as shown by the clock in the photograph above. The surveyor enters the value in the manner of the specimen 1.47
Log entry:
11.04
